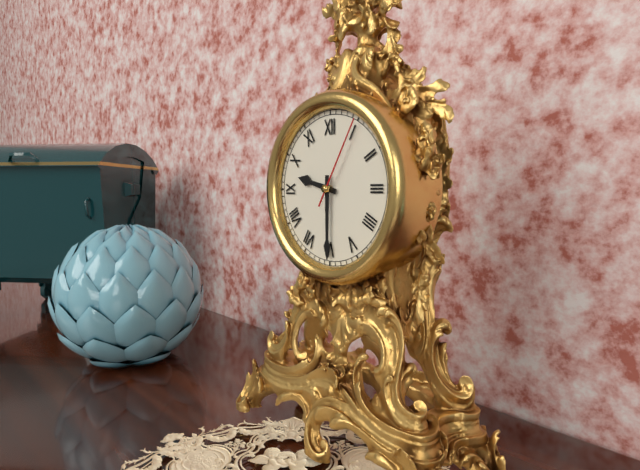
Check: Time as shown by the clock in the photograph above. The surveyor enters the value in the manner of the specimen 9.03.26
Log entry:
9.30.05
